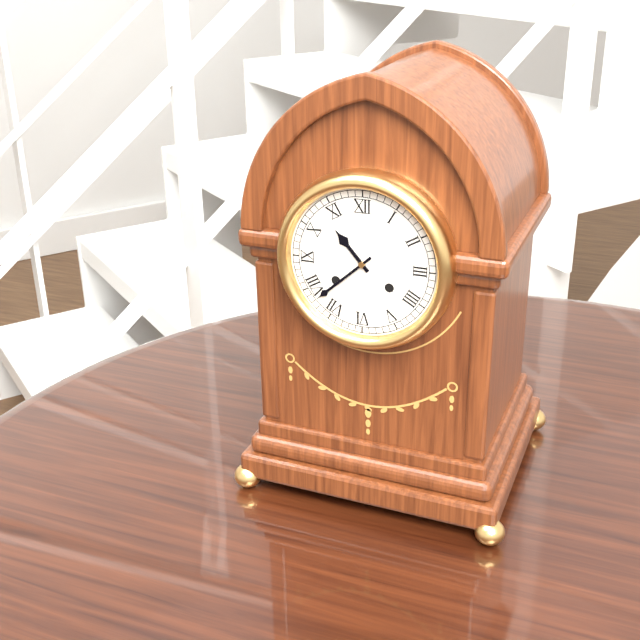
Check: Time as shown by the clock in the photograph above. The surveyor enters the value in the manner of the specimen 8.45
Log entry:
10.38
